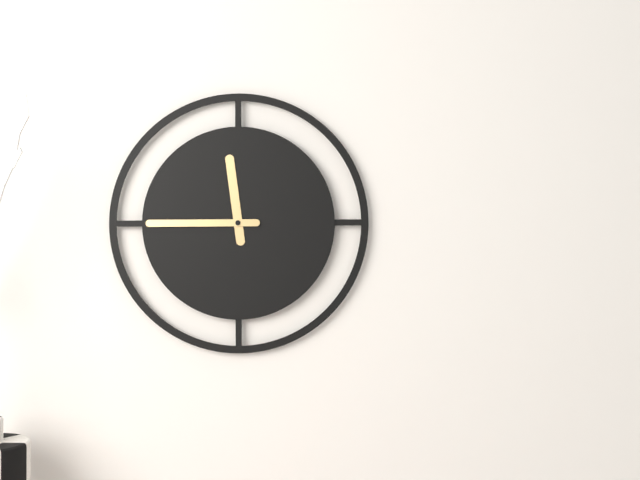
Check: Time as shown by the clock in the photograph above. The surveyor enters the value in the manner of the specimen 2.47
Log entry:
11.45
